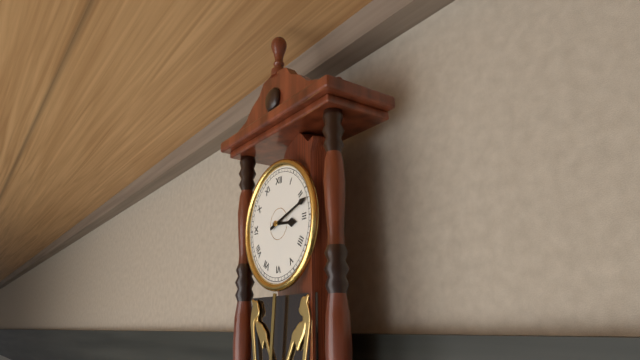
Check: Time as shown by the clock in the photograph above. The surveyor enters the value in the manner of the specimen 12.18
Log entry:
3.12
